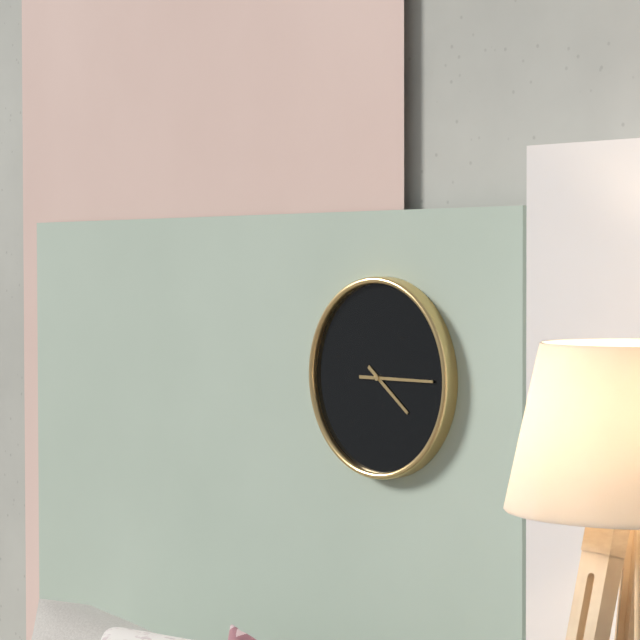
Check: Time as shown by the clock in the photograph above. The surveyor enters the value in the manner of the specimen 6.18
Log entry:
4.15
